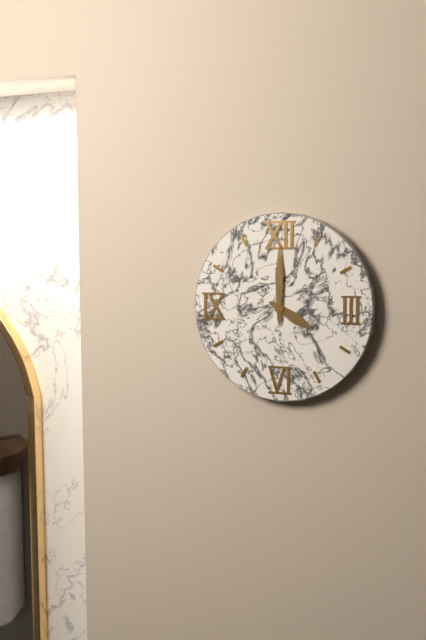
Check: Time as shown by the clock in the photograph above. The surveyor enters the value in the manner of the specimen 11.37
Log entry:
4.00
